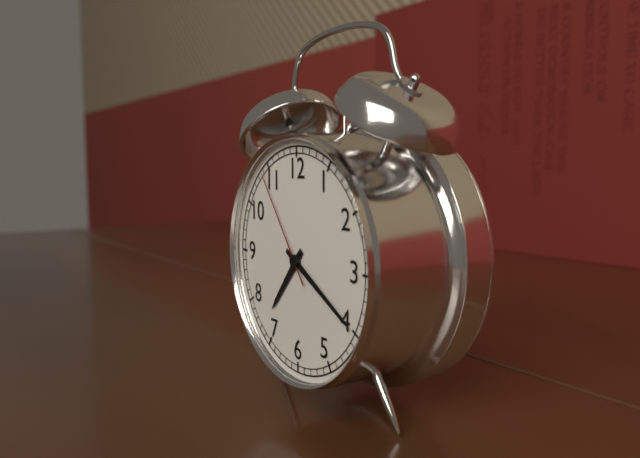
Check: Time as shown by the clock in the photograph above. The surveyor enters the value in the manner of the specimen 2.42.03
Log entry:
7.20.54
